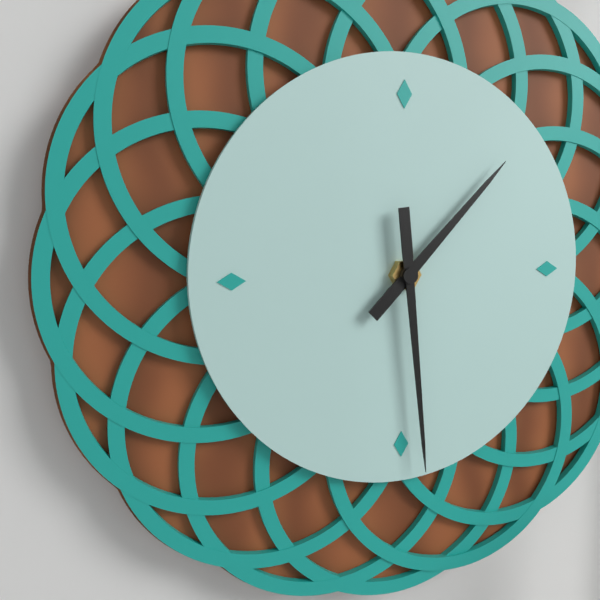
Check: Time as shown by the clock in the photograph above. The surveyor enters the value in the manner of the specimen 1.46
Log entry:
1.29
